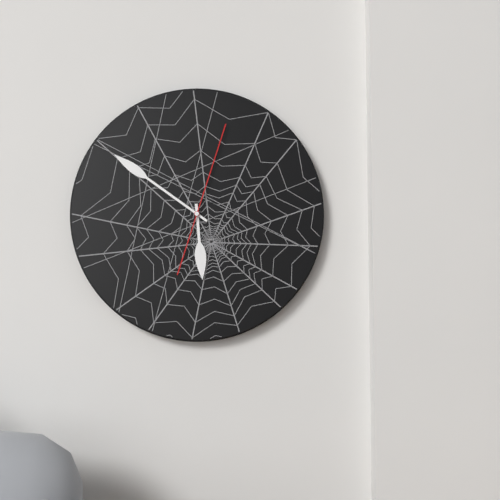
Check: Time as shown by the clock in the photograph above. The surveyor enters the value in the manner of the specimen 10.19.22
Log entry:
5.51.03
